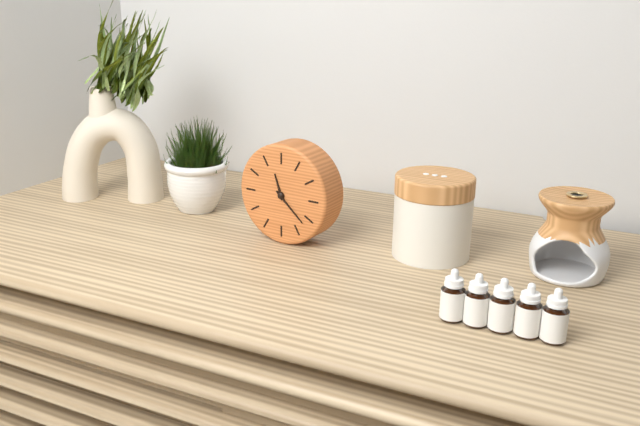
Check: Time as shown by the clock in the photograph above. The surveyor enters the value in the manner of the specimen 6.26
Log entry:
11.22
